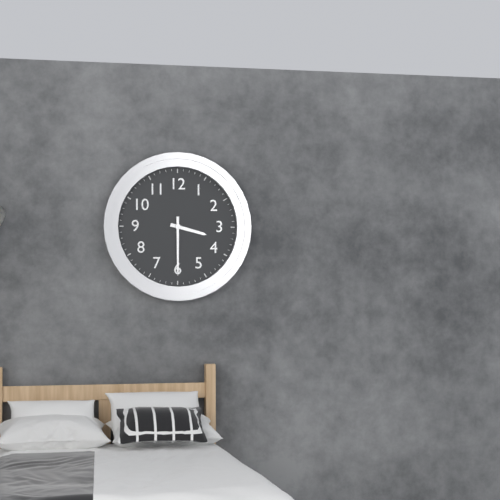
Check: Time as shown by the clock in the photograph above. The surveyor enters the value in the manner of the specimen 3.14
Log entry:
3.30
